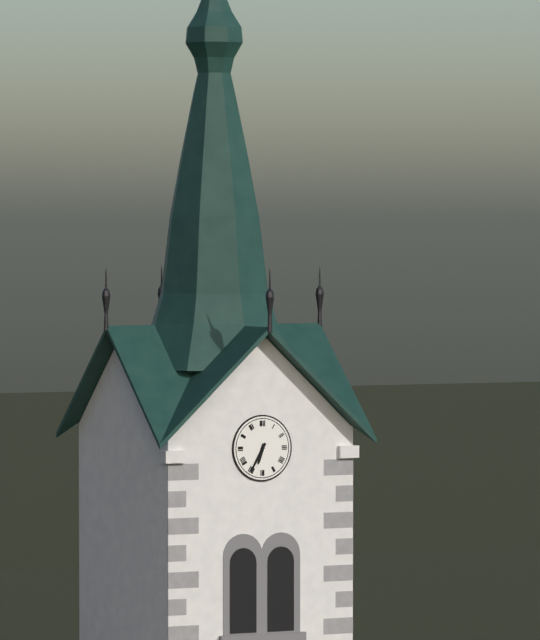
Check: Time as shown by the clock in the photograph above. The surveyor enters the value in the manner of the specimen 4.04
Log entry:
6.35
